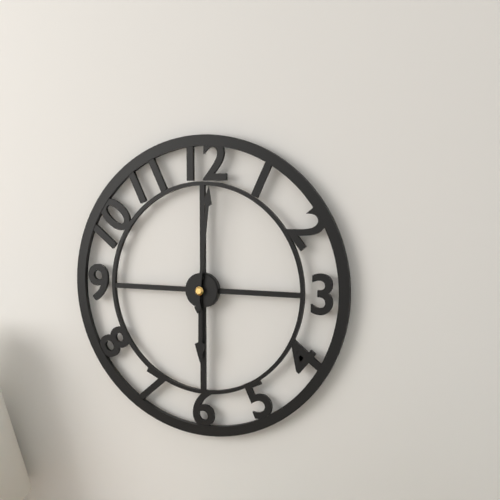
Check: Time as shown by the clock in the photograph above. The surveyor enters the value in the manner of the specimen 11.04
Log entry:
6.01
